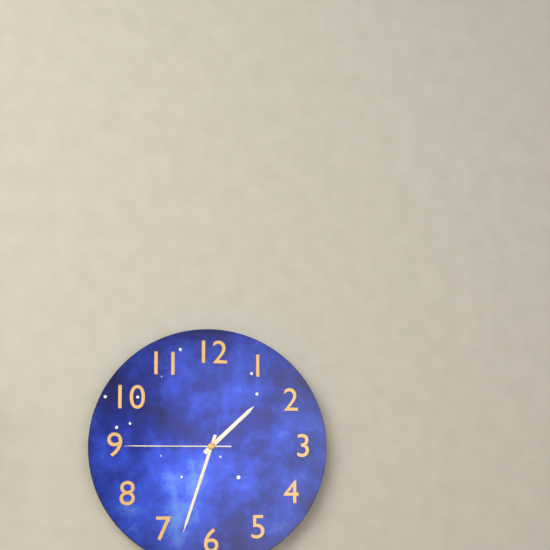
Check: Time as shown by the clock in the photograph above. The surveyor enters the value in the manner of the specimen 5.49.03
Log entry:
1.33.45
